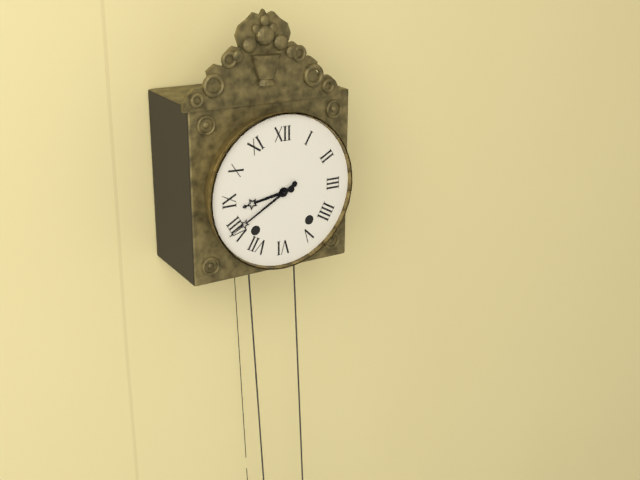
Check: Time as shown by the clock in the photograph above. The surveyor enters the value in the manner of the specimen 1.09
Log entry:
8.40
